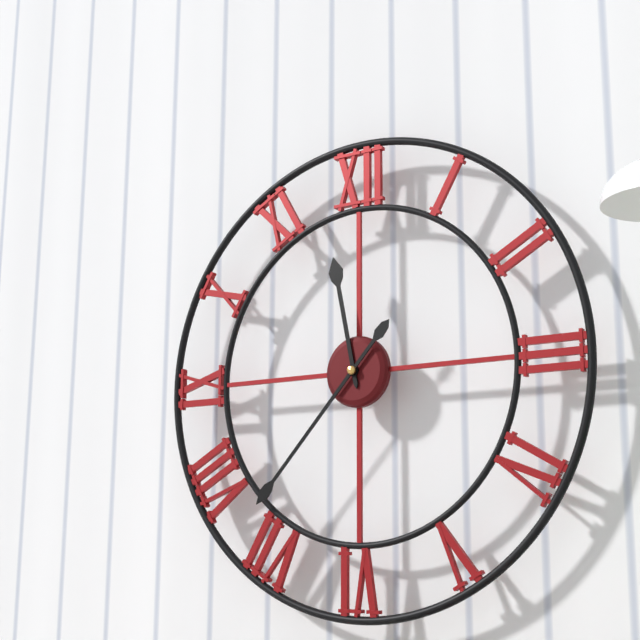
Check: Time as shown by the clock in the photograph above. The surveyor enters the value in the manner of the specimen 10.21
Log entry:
11.37
